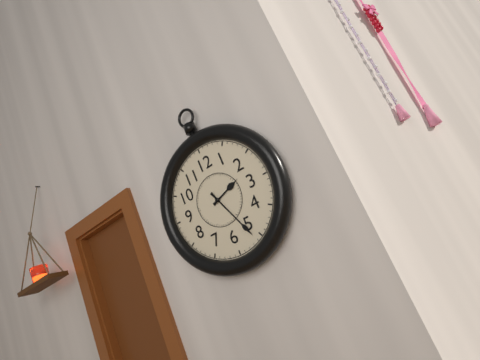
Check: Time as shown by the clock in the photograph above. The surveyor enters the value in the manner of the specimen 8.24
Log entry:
2.26
